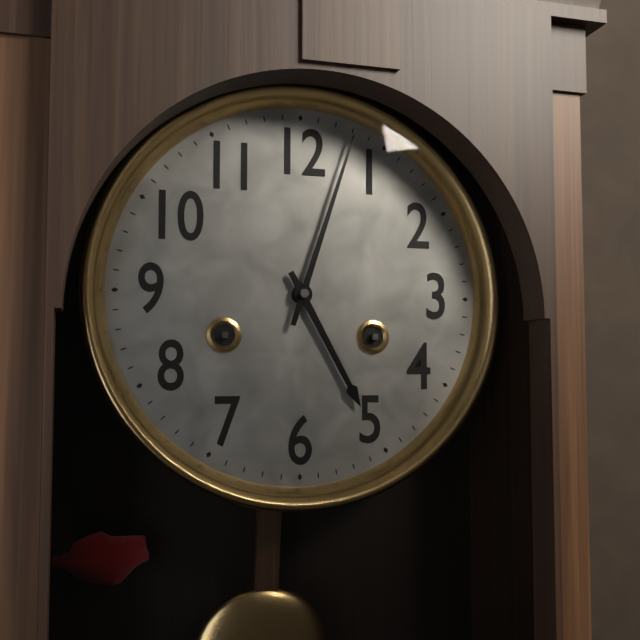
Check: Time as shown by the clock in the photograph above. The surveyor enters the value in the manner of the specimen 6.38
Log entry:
5.03
